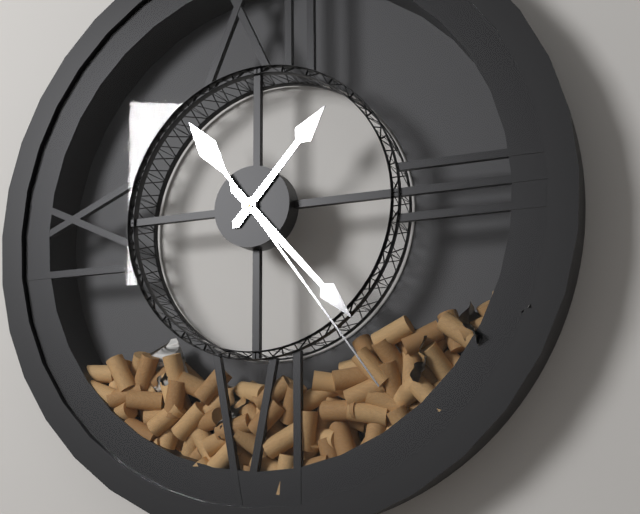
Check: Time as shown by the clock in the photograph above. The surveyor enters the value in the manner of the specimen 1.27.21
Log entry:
1.23.24
